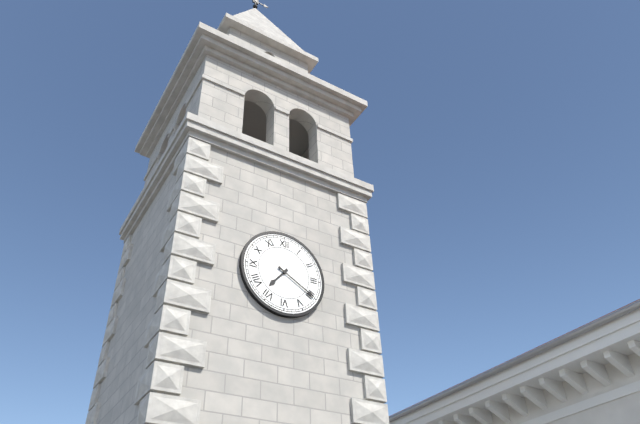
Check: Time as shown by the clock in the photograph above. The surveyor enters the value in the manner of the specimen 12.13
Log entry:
7.20
